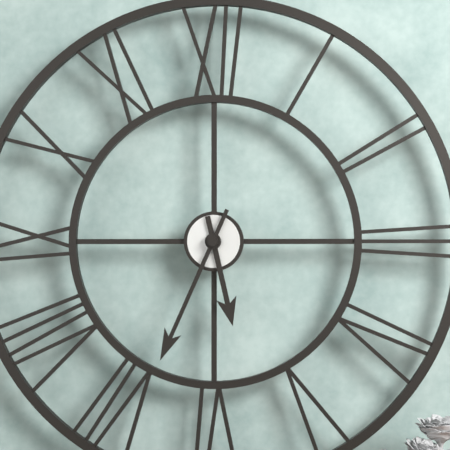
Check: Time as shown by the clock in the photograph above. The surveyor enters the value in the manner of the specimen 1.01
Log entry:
5.34
